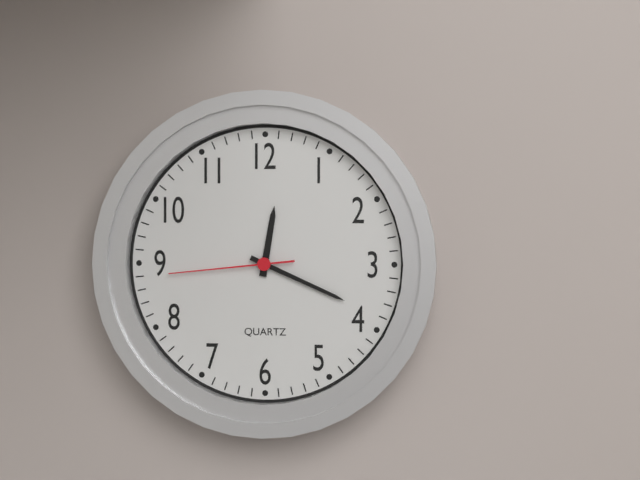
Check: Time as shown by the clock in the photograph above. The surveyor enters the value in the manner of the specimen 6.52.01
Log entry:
12.19.44
